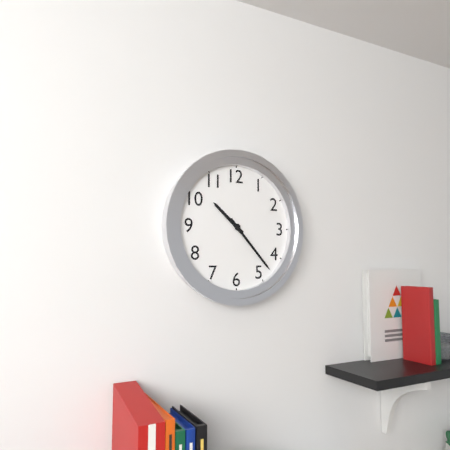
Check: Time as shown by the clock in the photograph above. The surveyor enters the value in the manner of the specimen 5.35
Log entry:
10.23
